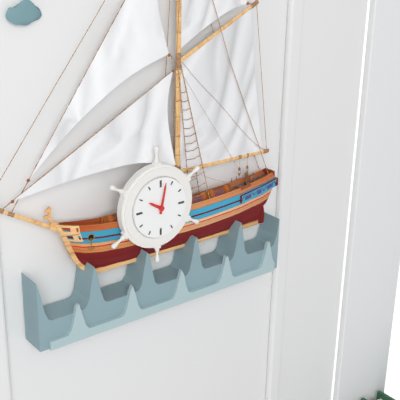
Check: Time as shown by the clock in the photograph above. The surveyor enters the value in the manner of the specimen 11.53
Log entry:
10.02
